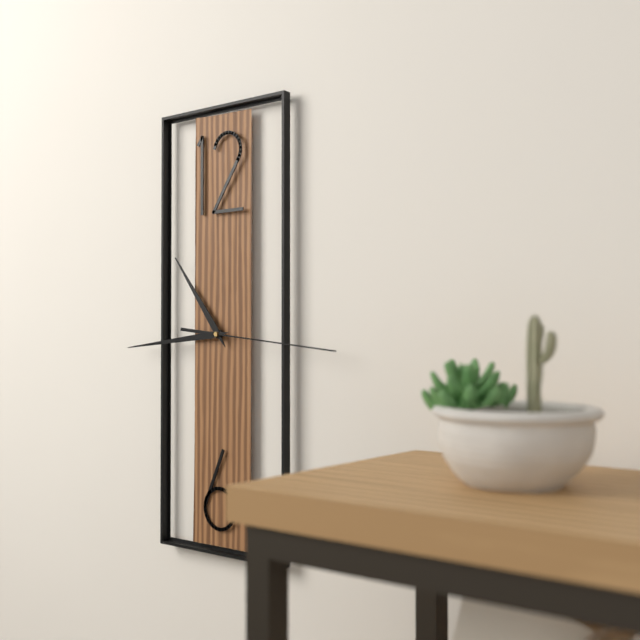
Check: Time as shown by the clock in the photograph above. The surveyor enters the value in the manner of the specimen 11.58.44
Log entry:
10.44.16
